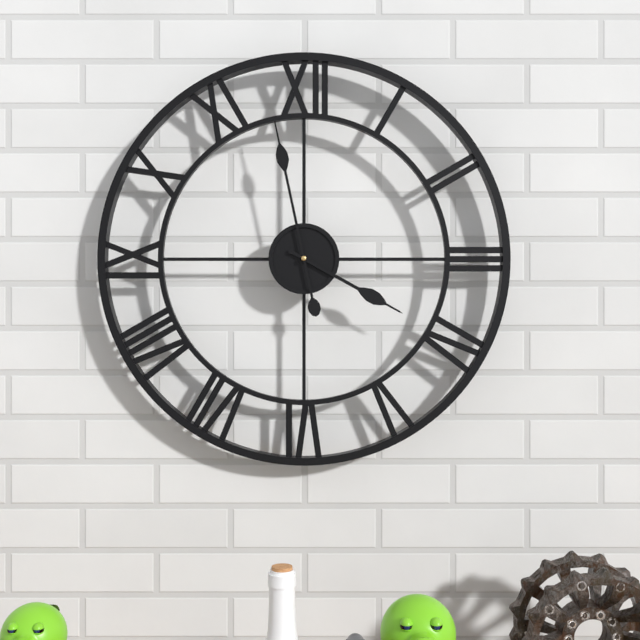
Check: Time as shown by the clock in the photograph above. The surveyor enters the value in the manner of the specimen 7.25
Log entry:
3.58
